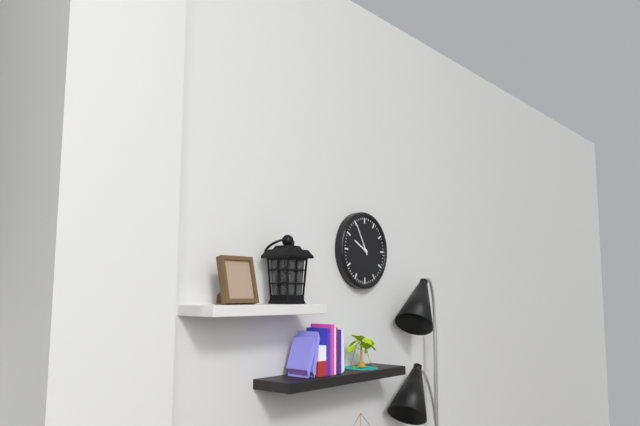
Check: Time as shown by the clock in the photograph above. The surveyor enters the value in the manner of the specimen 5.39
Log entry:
9.55
